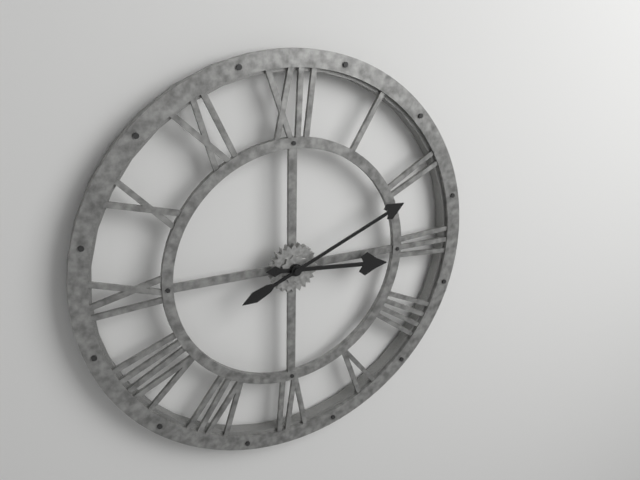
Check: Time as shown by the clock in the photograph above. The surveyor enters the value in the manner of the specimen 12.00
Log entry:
3.11
